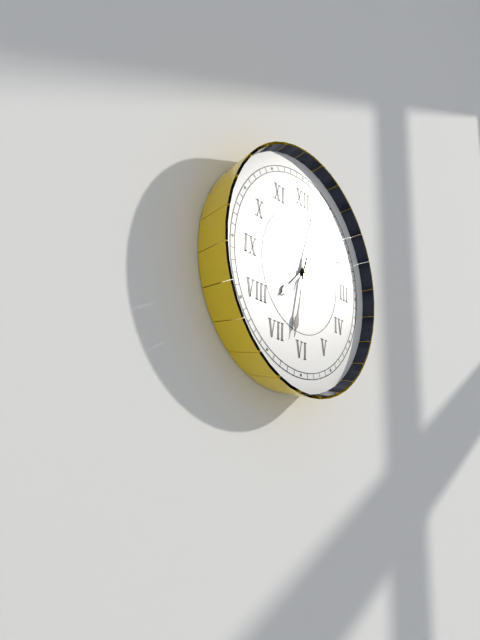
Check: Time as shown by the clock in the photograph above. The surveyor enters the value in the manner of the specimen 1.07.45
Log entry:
7.32.03
